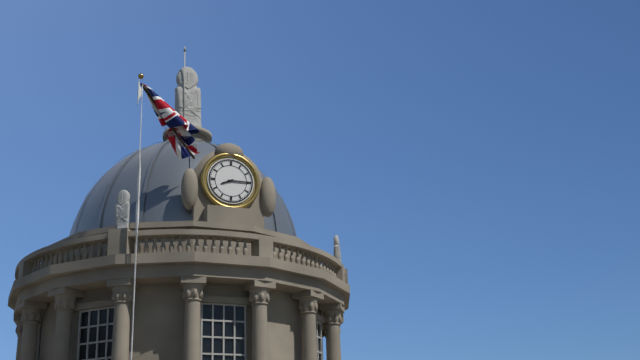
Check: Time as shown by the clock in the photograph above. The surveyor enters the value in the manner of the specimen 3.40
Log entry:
8.15
